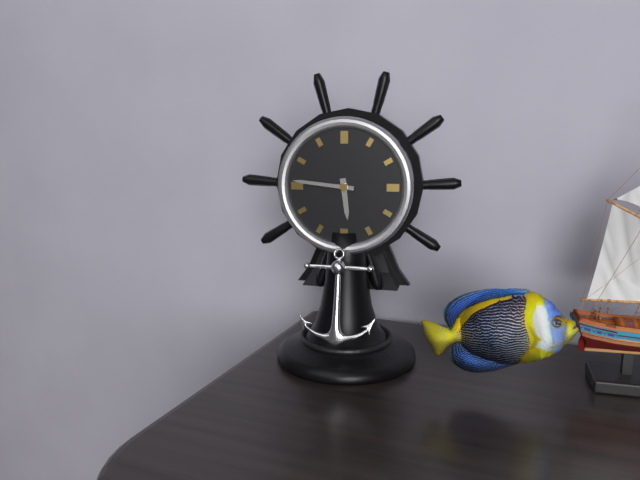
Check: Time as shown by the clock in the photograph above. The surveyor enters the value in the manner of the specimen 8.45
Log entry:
5.46
